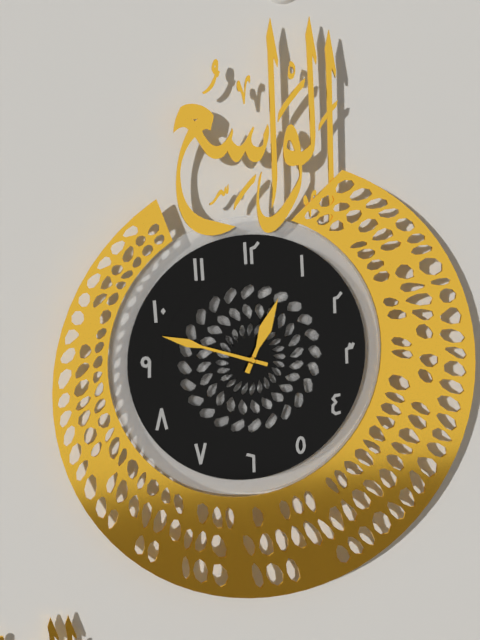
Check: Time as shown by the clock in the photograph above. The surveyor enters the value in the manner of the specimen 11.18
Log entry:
12.48
